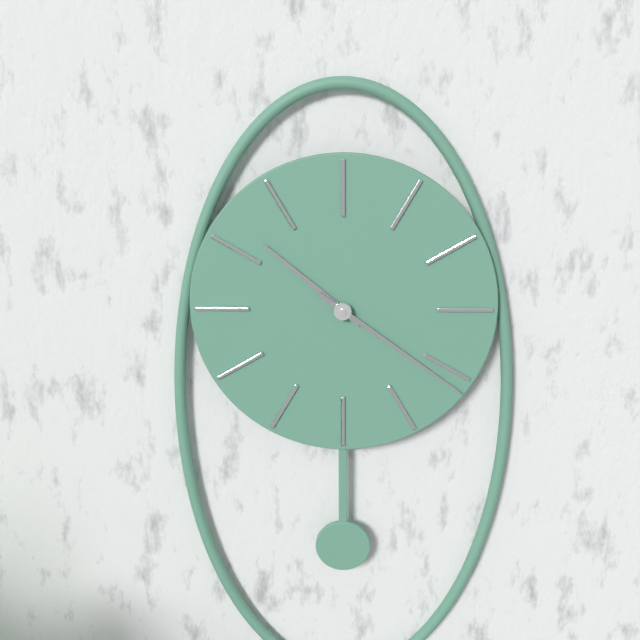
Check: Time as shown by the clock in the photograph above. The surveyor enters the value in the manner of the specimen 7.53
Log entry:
10.21
